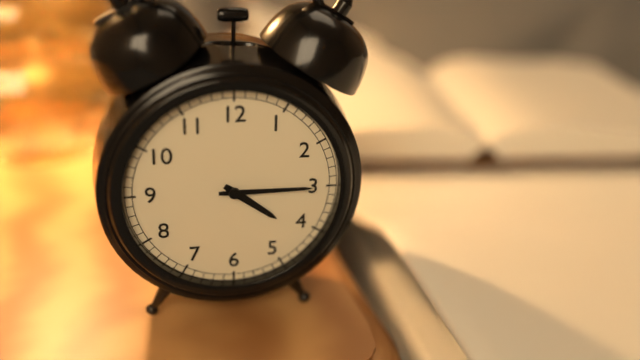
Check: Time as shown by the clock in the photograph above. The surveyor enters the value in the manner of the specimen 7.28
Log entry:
4.15
